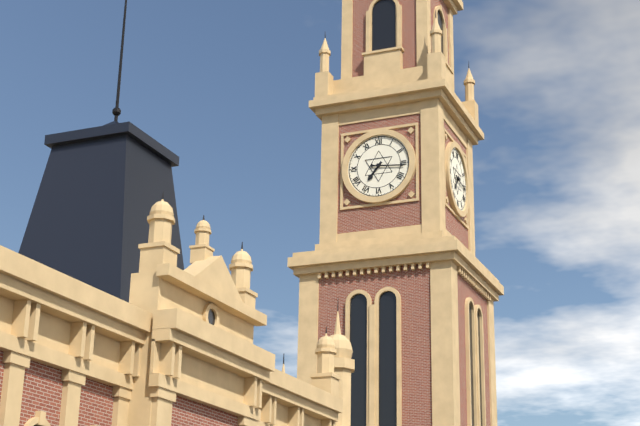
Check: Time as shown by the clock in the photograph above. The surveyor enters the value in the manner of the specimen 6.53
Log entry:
7.16
